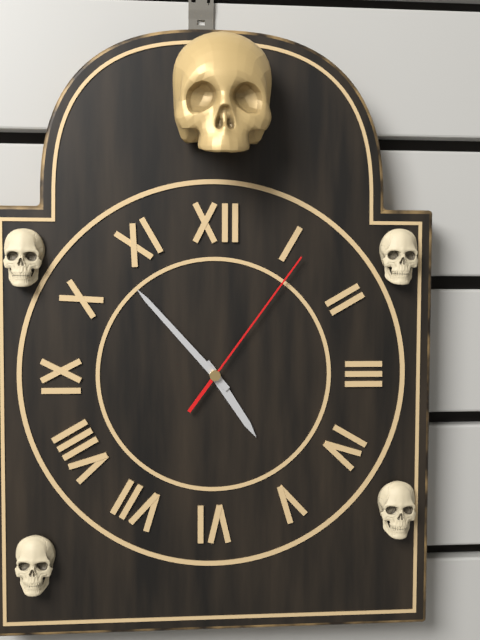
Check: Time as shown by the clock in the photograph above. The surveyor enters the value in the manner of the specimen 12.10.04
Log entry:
4.53.06
